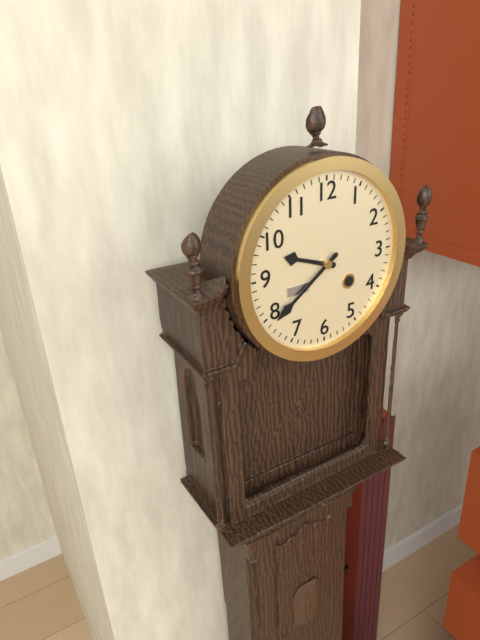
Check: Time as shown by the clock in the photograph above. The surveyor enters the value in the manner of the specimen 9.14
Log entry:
9.39
